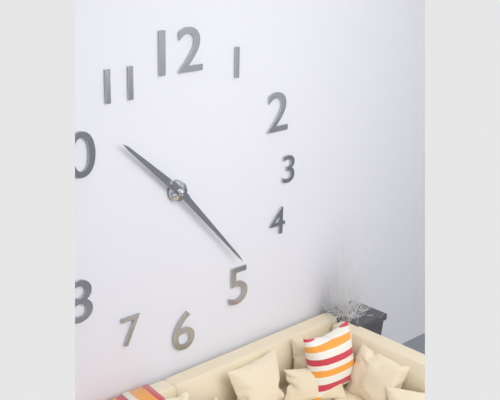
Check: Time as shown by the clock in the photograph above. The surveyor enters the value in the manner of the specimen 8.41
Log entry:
10.23
